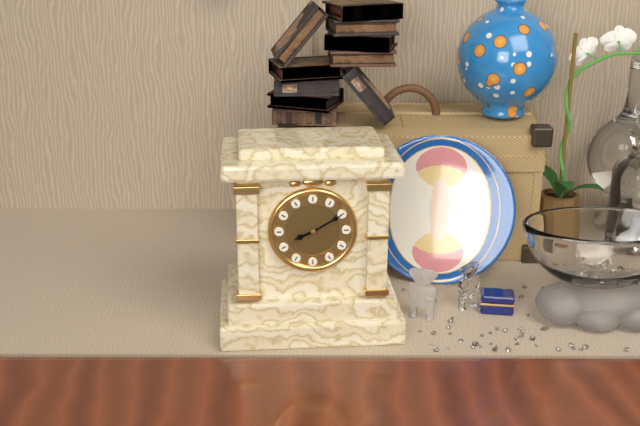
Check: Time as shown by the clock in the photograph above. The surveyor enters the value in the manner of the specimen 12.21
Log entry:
8.10
